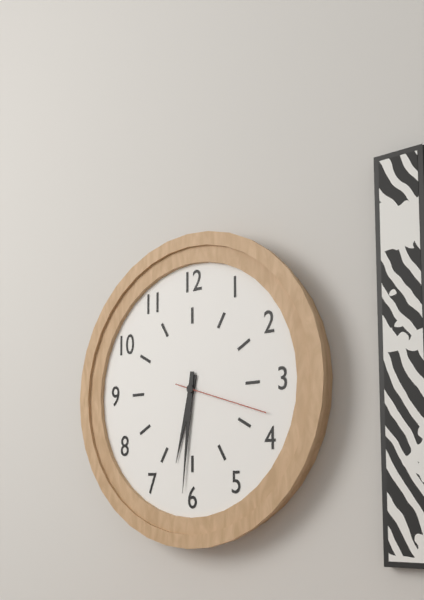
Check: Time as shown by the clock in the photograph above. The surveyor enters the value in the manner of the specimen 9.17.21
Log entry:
6.31.18
